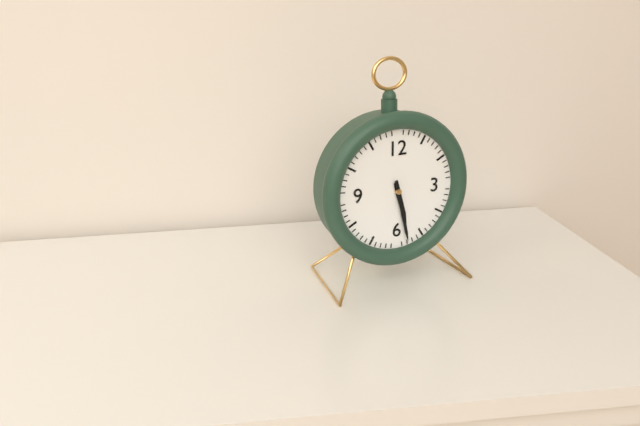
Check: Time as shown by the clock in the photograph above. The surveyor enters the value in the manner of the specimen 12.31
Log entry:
5.28
